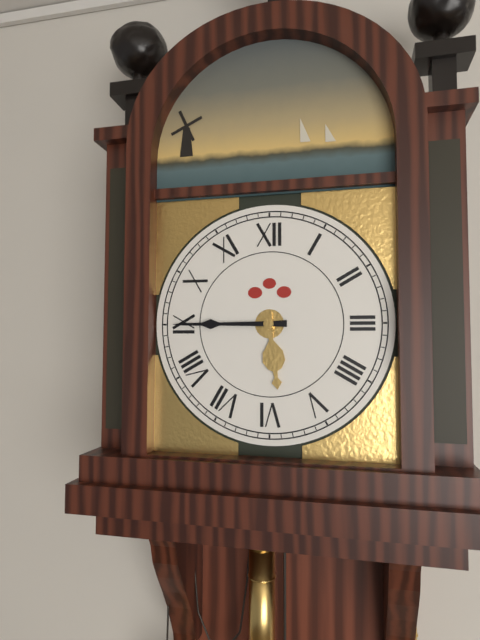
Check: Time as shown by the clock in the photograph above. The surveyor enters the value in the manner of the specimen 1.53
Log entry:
5.45
